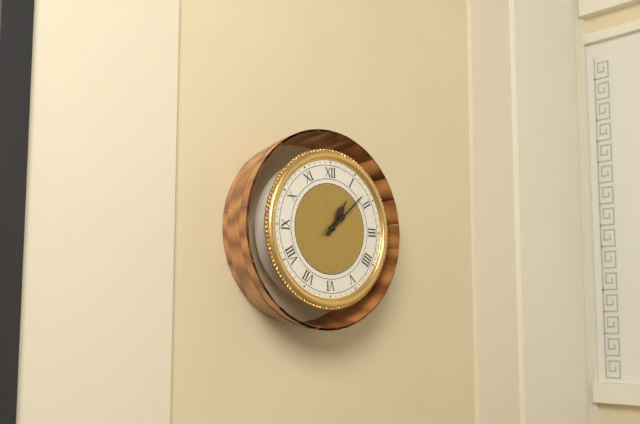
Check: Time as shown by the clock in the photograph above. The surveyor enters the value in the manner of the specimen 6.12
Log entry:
1.08
